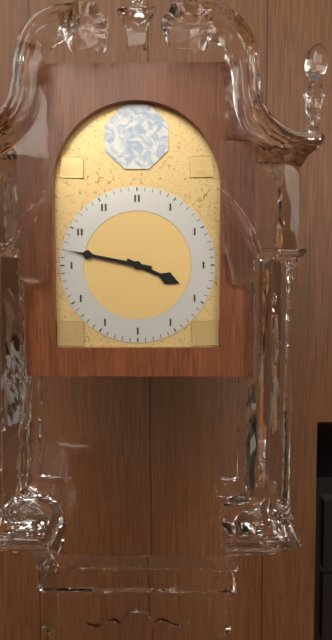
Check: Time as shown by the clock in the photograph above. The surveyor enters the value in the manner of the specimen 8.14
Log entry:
3.47
